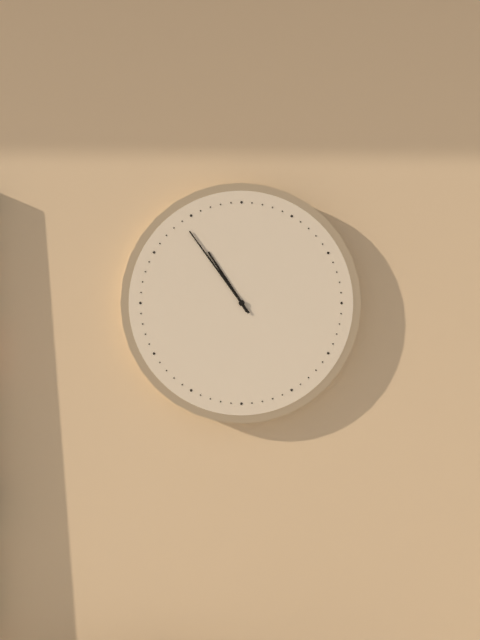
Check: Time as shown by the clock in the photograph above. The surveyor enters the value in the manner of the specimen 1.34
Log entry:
10.54
